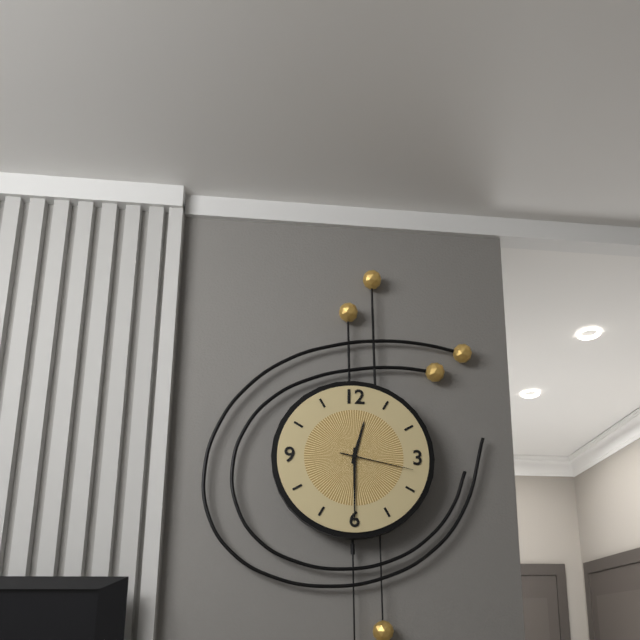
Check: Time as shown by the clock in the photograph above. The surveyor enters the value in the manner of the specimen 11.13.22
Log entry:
12.30.17
